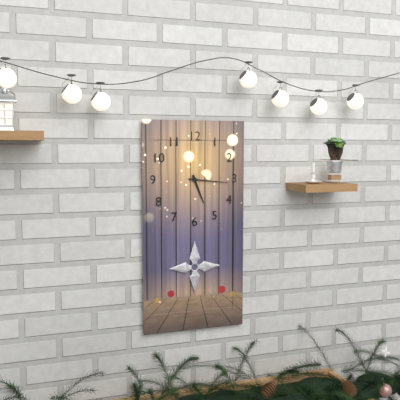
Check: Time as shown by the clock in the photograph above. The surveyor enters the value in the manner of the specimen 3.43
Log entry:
5.16
